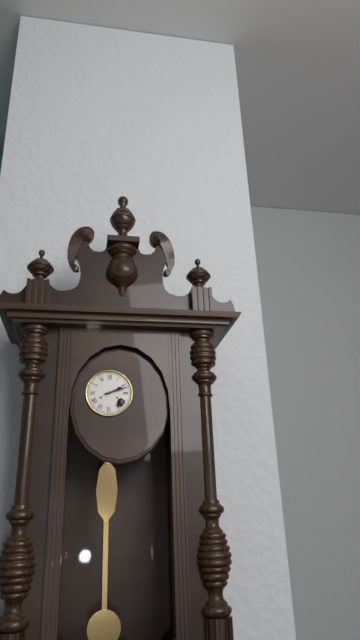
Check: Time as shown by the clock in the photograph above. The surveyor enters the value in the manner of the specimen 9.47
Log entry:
2.12
